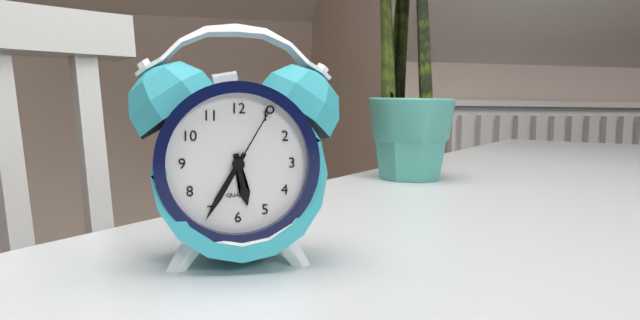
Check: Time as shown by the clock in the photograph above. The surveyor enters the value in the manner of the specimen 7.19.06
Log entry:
5.35.05
